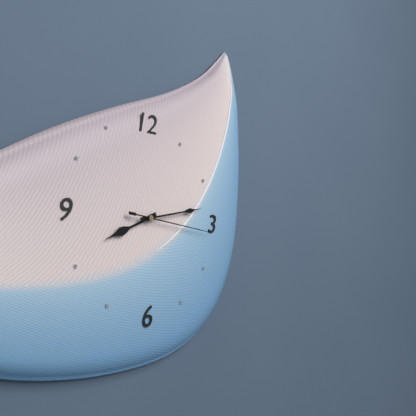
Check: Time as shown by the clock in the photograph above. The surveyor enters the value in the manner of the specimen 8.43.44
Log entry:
8.13.16
